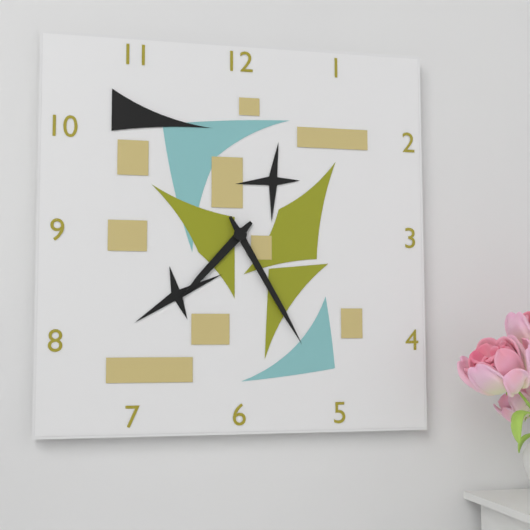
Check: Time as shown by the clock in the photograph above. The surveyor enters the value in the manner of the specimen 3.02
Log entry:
7.25
